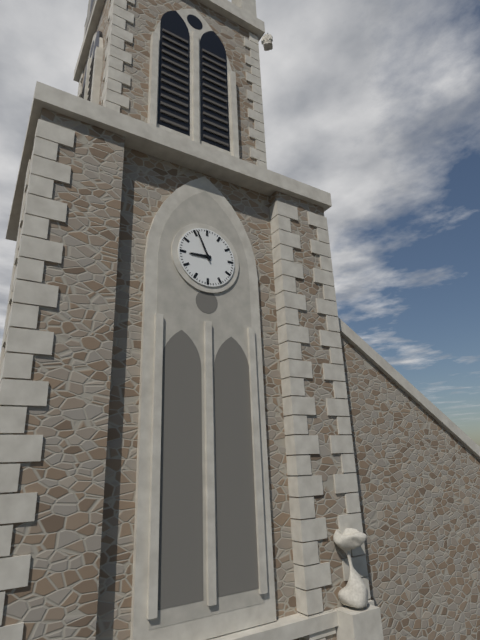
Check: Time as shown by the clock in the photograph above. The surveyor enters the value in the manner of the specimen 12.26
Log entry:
8.56
